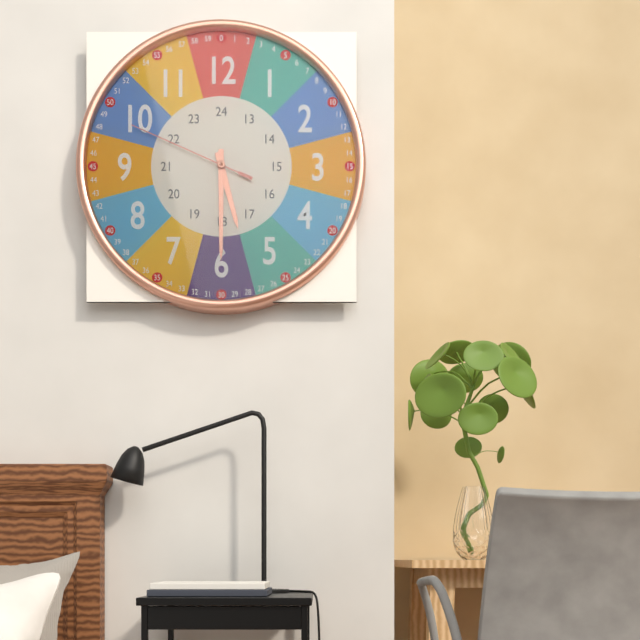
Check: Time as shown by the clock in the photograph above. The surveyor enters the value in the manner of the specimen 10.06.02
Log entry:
5.30.49
